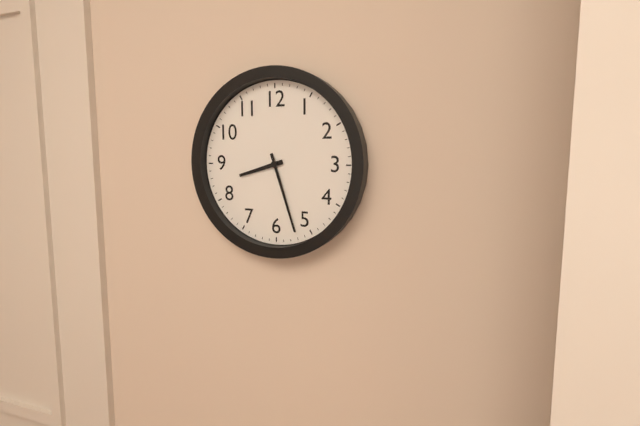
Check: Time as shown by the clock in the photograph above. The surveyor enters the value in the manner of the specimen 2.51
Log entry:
8.27
